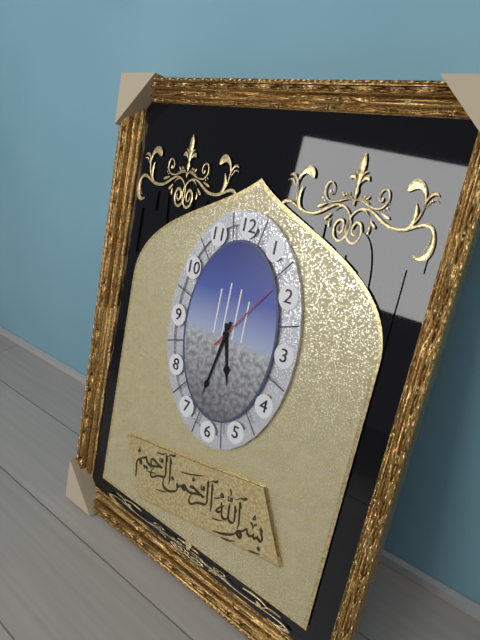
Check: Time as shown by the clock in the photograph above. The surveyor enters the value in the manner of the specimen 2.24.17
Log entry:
5.32.06
